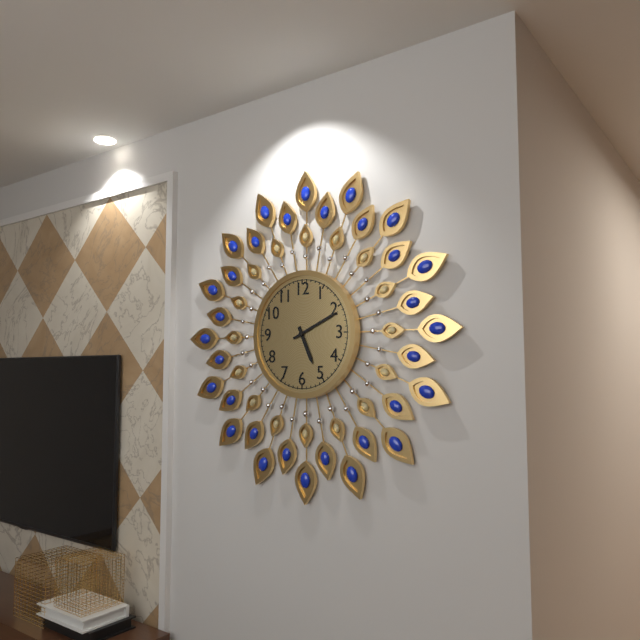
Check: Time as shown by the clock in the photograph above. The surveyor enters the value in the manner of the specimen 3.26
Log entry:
5.11
